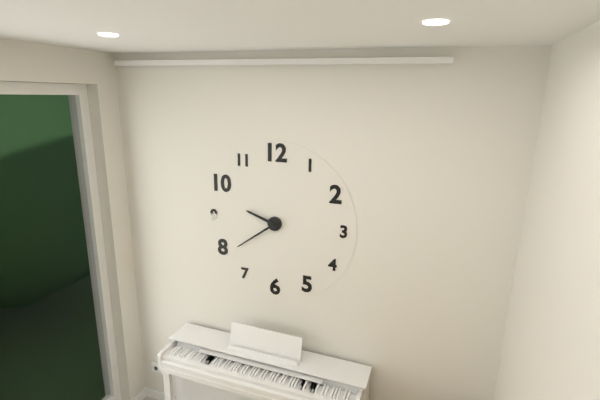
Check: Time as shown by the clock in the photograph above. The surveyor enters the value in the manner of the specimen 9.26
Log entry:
9.39
